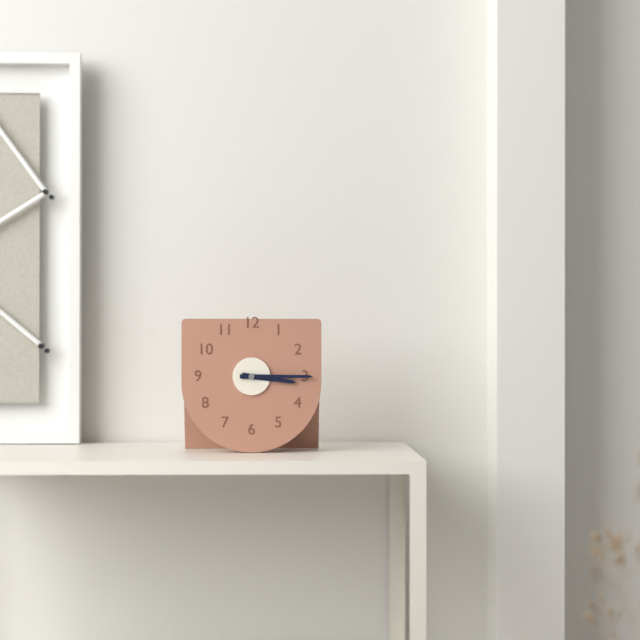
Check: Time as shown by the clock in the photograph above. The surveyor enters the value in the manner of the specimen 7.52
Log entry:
3.15
